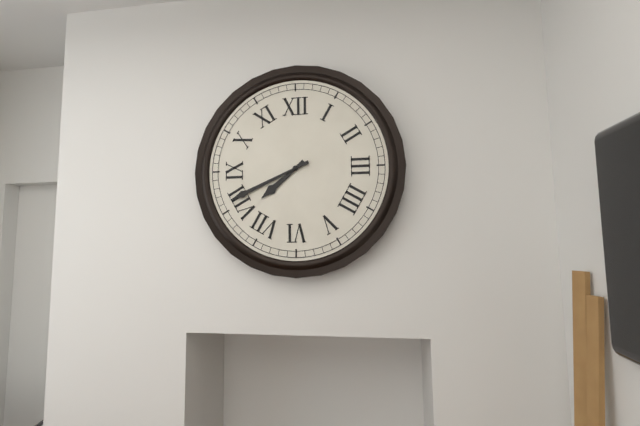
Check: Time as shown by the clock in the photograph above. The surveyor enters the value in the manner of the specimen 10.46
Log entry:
7.41
